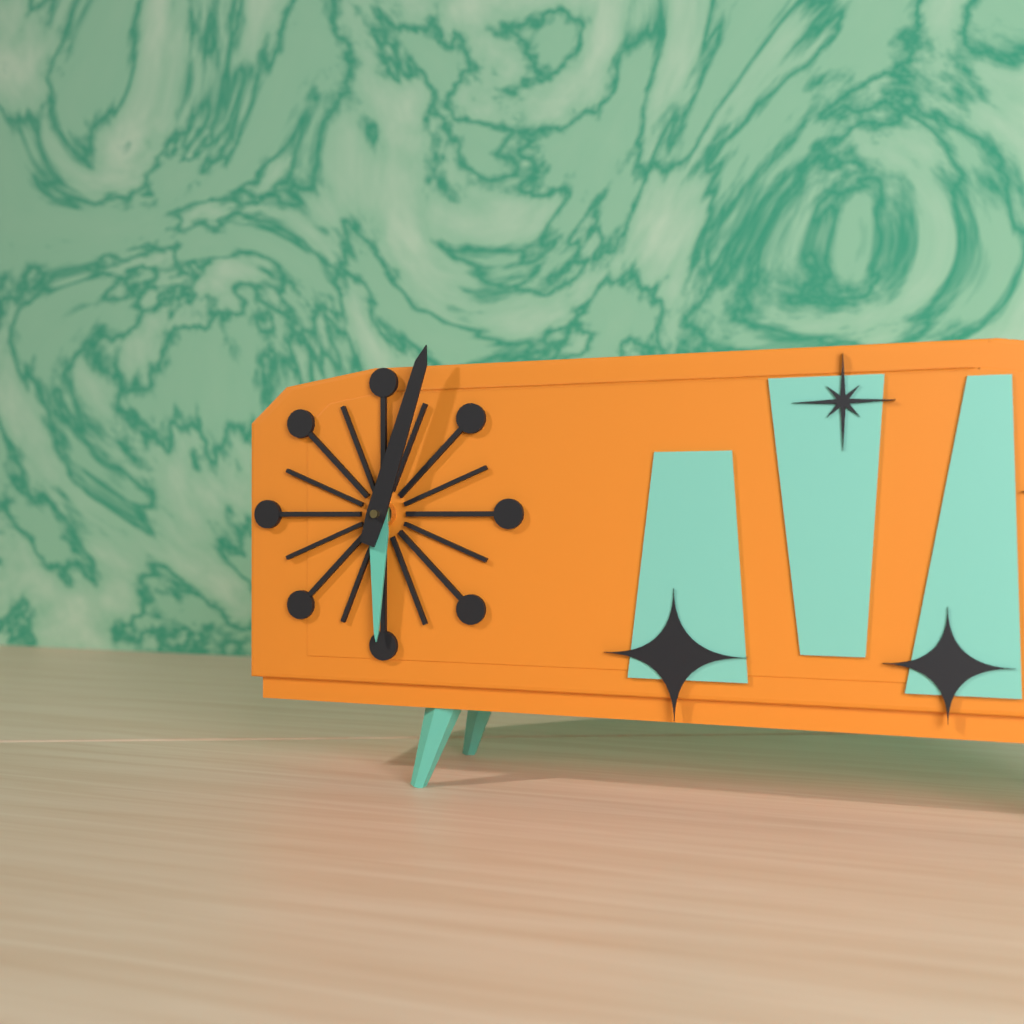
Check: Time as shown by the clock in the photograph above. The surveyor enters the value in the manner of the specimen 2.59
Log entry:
6.03
